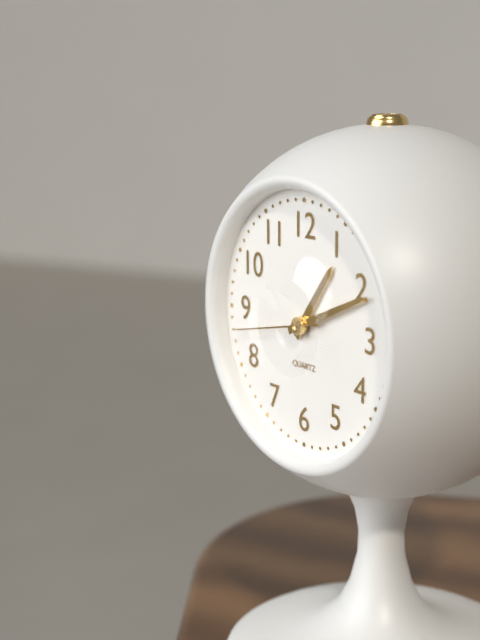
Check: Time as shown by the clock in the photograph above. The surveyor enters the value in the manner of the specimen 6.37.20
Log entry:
1.11.43
